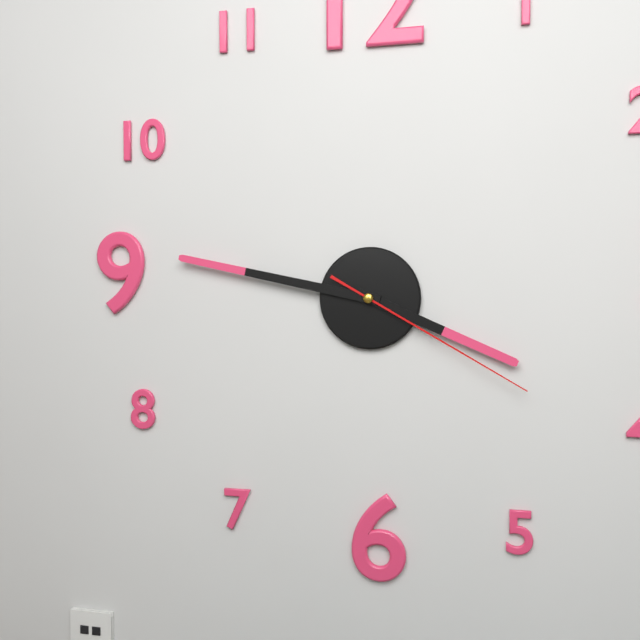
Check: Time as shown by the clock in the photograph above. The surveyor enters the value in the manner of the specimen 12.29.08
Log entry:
3.47.20
